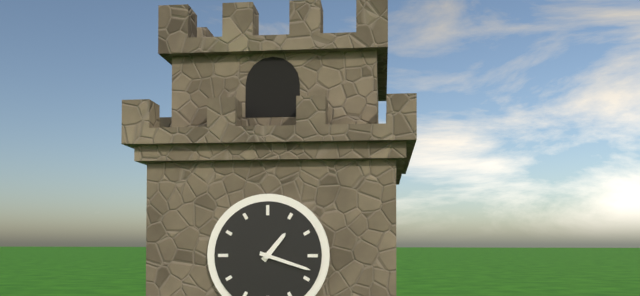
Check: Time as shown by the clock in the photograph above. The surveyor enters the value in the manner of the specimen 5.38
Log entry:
1.18
